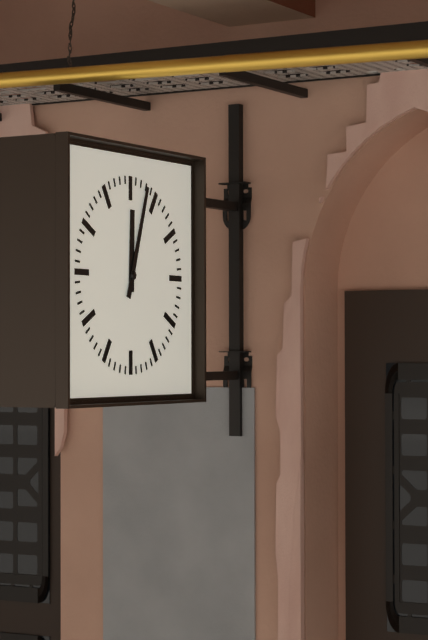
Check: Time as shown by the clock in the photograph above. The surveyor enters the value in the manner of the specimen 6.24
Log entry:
12.03
